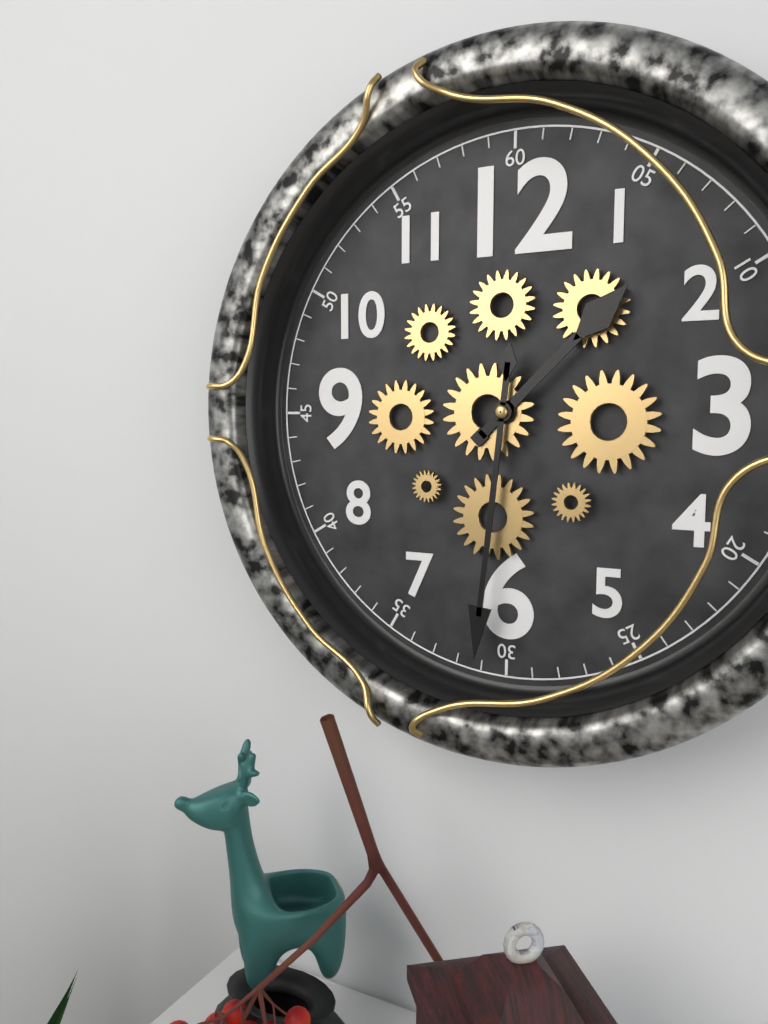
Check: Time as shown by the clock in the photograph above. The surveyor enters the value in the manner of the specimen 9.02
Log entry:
1.31
